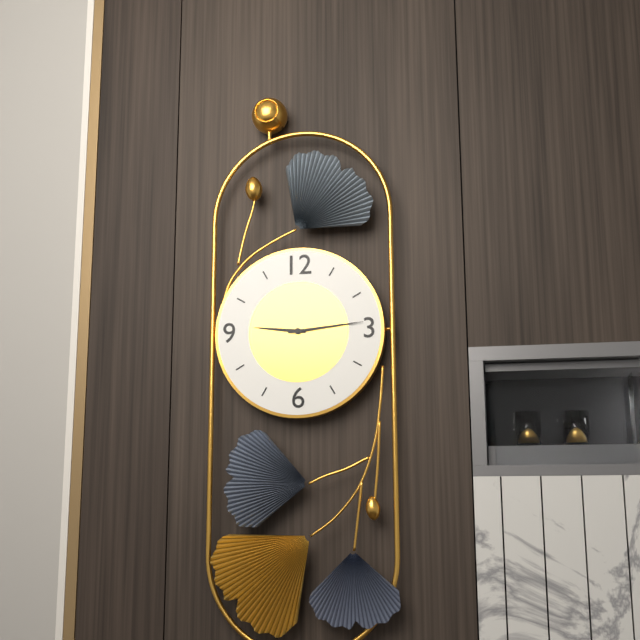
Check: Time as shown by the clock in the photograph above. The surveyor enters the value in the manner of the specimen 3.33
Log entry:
9.14
